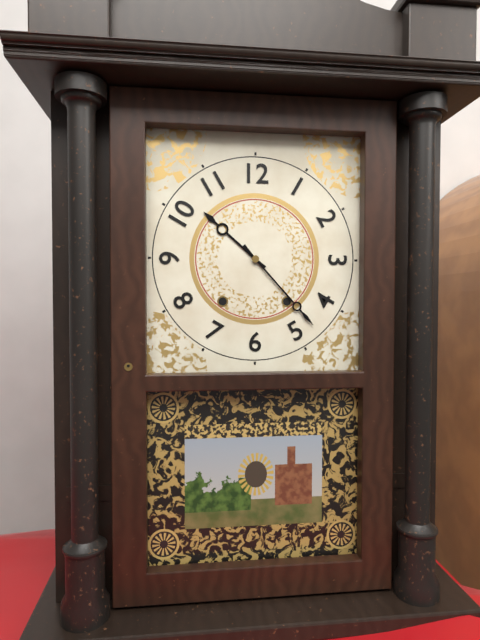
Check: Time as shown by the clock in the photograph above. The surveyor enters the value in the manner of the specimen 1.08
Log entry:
10.23
